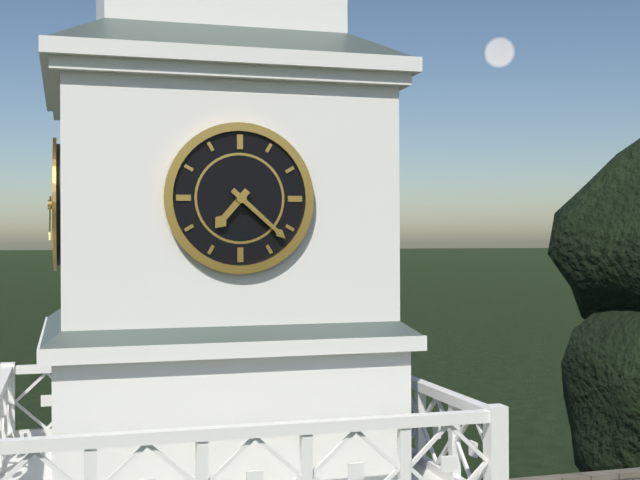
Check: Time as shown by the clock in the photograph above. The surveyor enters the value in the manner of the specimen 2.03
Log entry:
7.22
